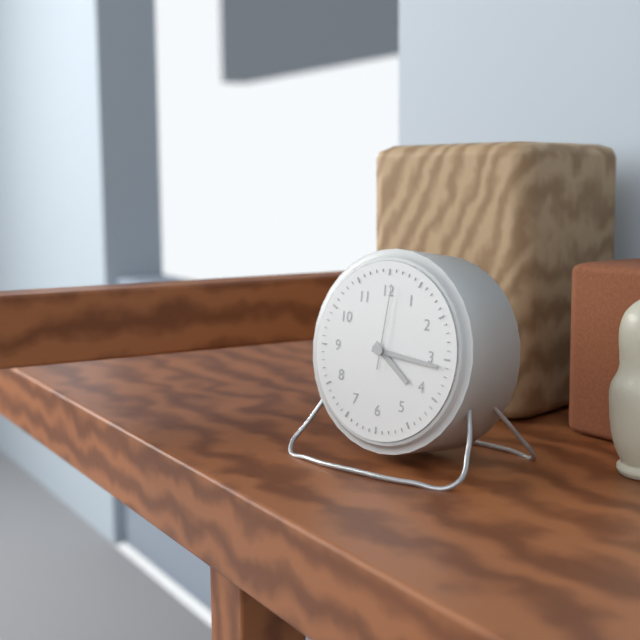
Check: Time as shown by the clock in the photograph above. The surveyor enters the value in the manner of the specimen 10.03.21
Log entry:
4.16.01
